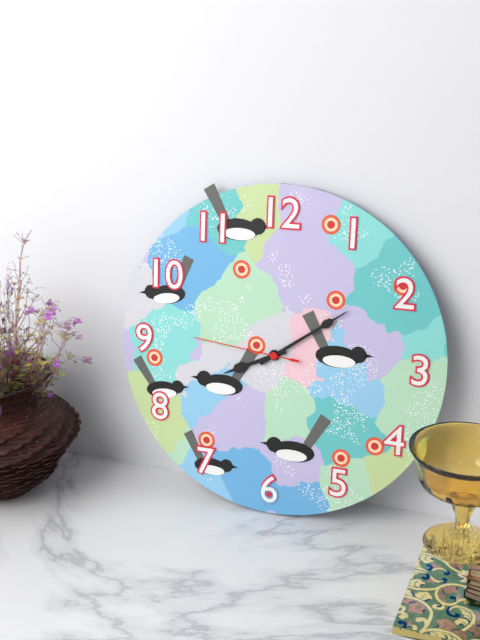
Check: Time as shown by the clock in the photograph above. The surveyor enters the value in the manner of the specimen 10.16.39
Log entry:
8.09.46
